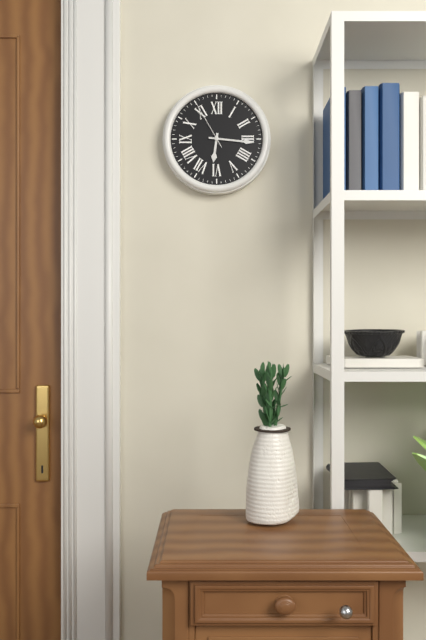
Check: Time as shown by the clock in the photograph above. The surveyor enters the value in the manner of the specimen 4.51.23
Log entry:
6.16.55
